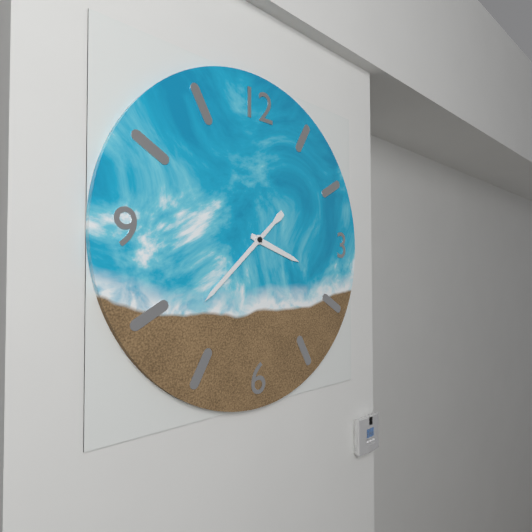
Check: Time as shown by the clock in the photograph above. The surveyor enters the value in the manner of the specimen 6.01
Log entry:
3.38
